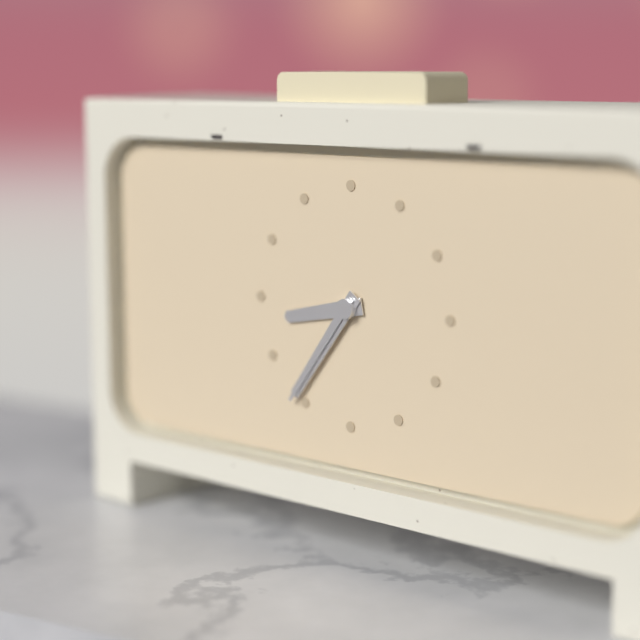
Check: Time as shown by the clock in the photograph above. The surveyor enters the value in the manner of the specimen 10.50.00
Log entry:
8.36.36
